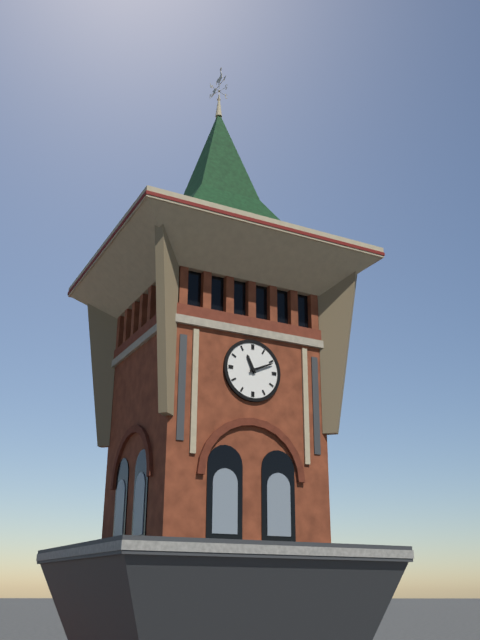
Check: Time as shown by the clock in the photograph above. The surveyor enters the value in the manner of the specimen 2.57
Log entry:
11.11
